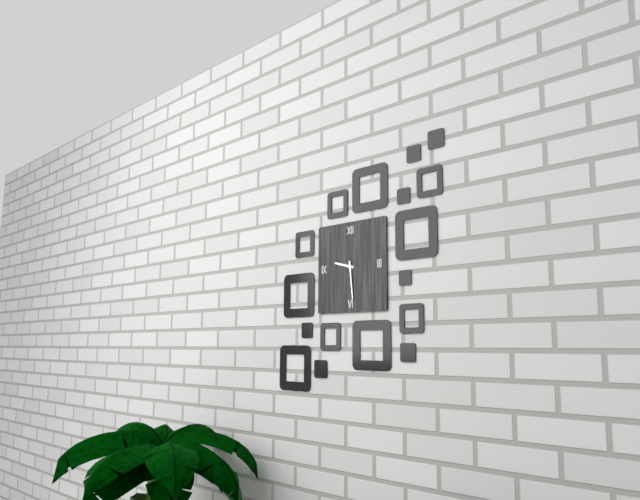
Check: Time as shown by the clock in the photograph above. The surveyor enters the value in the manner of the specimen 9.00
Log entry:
9.29
